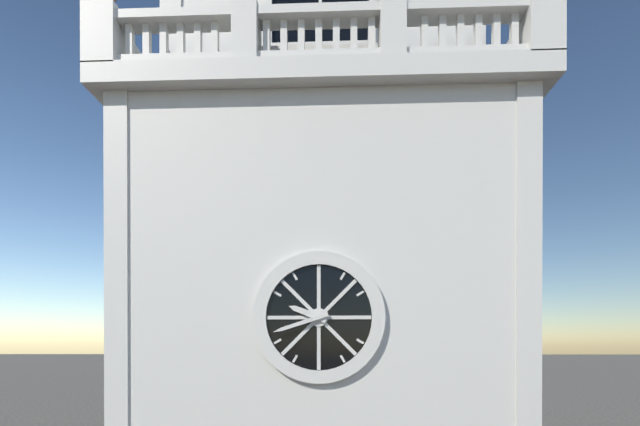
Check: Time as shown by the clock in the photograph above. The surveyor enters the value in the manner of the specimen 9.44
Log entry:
9.42
